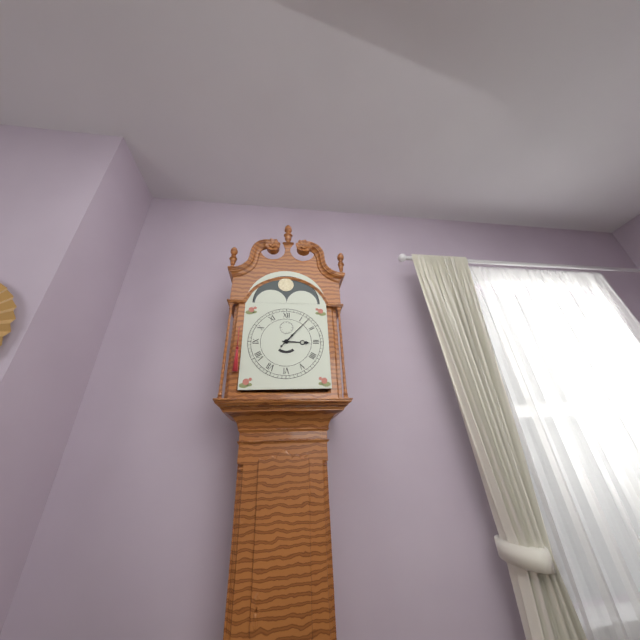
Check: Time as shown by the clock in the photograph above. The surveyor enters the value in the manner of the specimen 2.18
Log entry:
3.07
